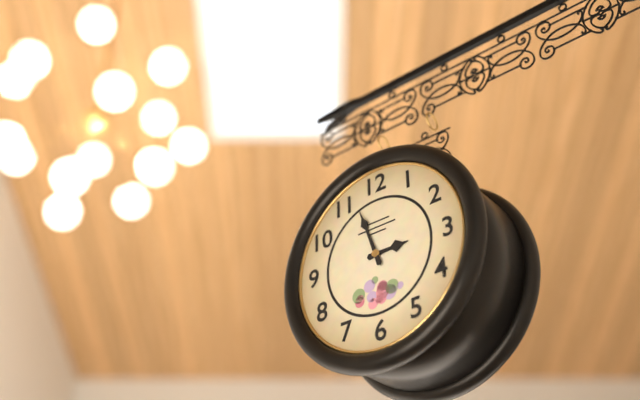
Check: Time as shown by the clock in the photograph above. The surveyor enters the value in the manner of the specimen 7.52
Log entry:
2.57
